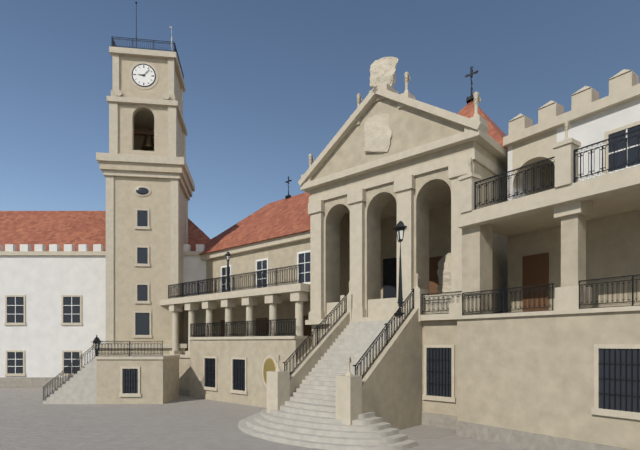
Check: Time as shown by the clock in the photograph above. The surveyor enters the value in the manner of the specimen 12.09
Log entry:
9.07
